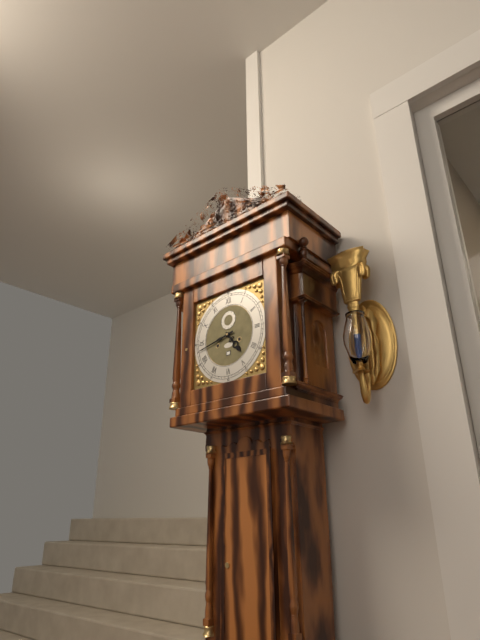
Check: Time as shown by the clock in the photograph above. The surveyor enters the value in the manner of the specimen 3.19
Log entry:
4.43
